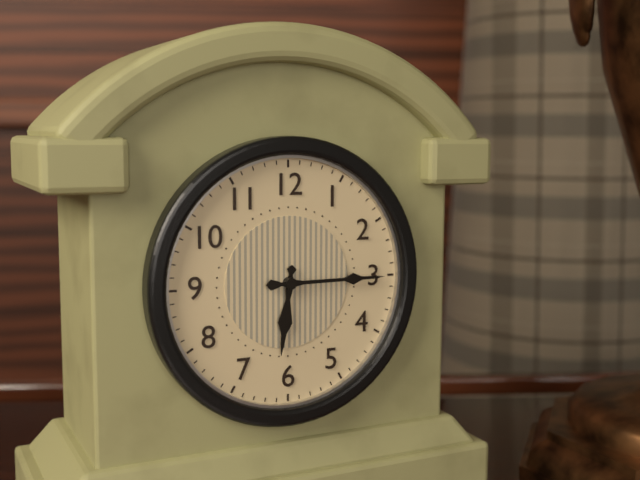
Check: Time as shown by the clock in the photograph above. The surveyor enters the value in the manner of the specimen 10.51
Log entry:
6.15
